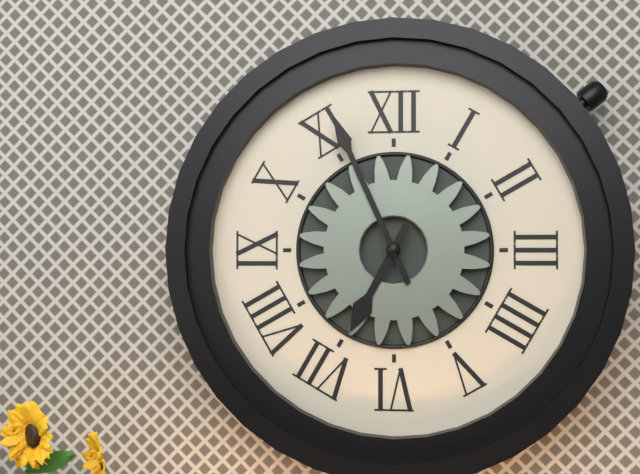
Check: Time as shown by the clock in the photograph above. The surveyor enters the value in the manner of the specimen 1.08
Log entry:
6.56
